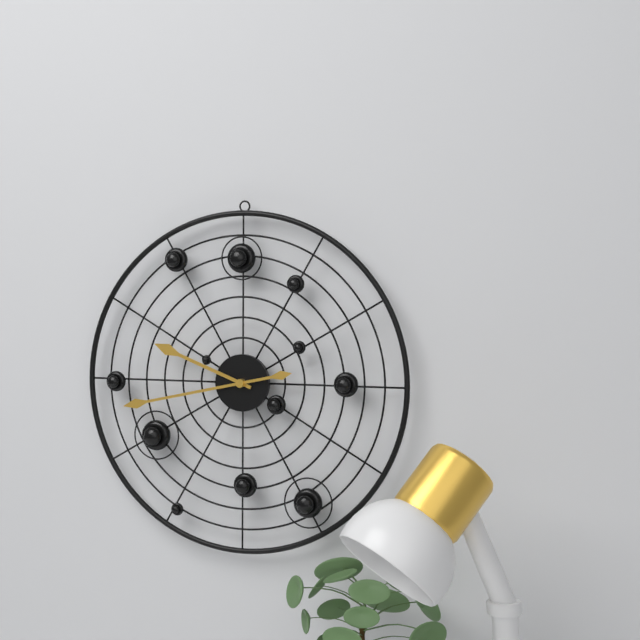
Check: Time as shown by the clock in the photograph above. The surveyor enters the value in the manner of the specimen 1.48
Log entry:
9.43
